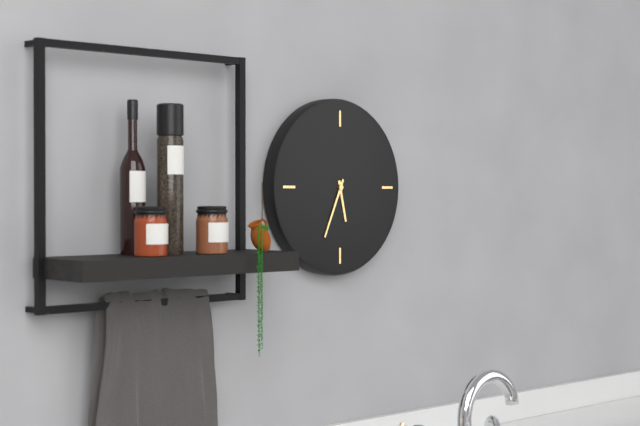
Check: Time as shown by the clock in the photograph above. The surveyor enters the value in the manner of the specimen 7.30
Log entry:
5.34
